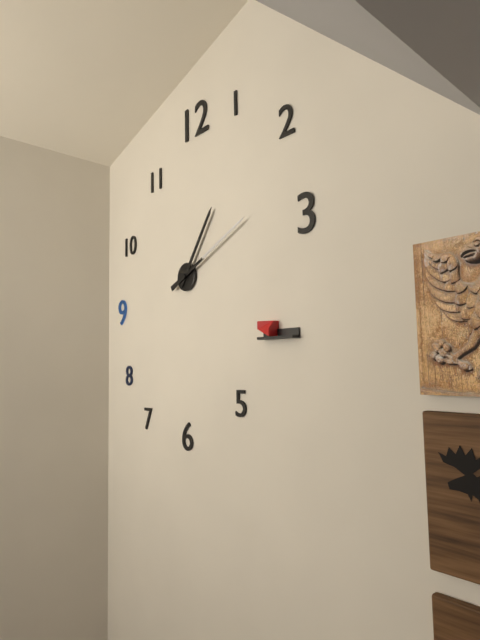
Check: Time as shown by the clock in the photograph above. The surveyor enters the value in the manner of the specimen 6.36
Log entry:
1.11
